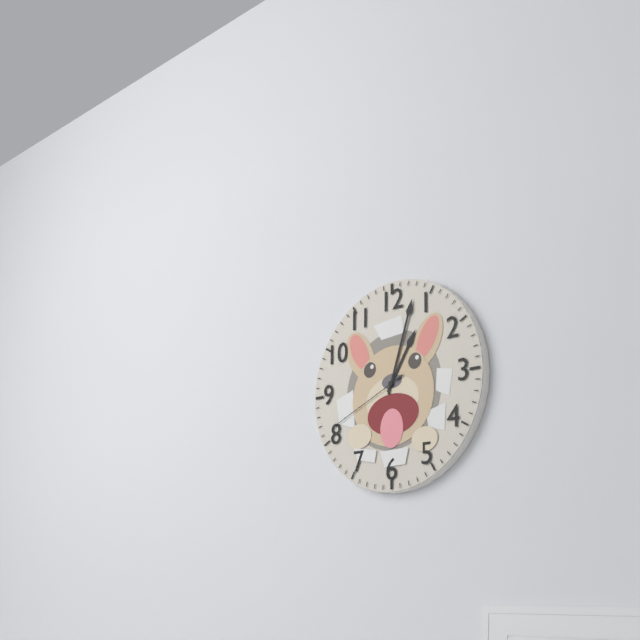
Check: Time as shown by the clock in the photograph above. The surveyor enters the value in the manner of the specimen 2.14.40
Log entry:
1.03.41
